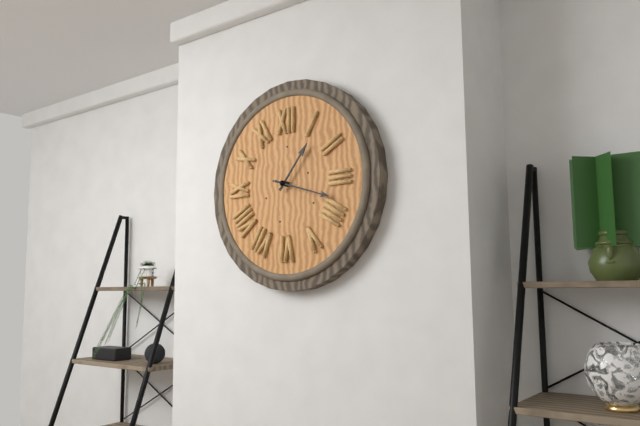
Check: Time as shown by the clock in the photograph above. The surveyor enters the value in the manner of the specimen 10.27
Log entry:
1.18
